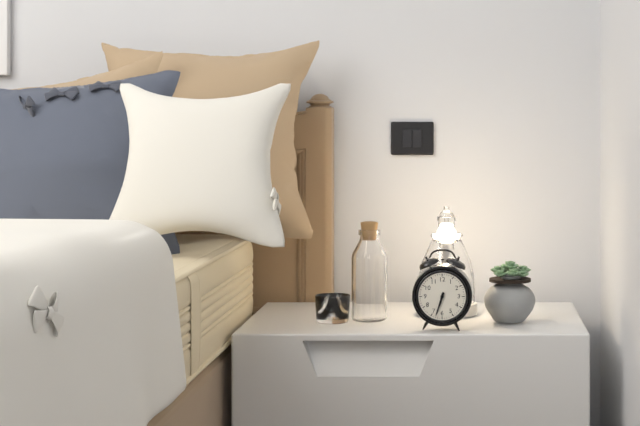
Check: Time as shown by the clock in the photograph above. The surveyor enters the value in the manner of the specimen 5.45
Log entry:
6.33
